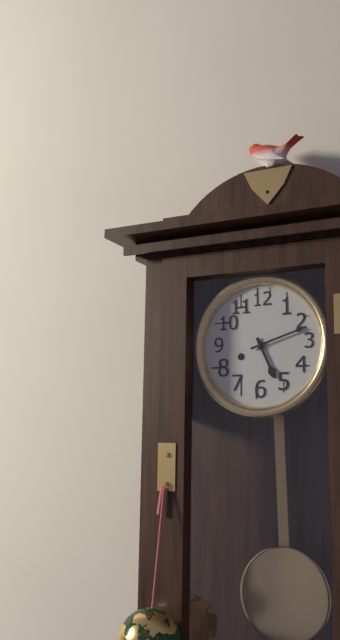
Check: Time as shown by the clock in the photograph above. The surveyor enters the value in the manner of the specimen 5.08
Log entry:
5.12
